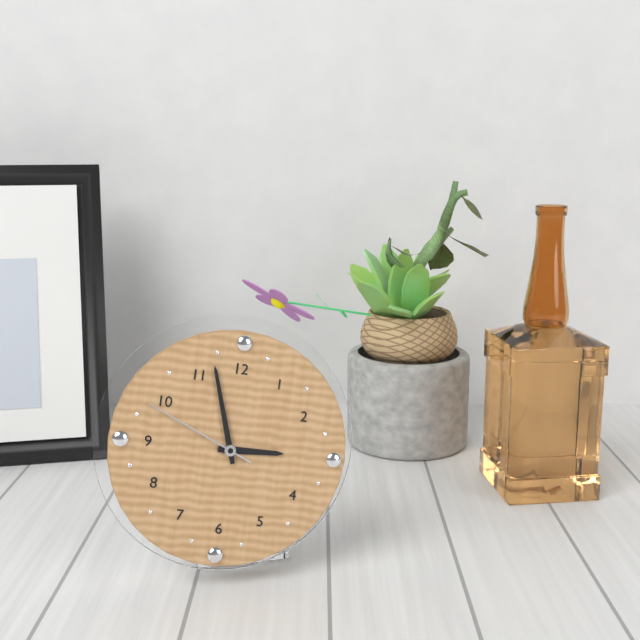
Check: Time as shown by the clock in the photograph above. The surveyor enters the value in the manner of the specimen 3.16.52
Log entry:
2.57.49
